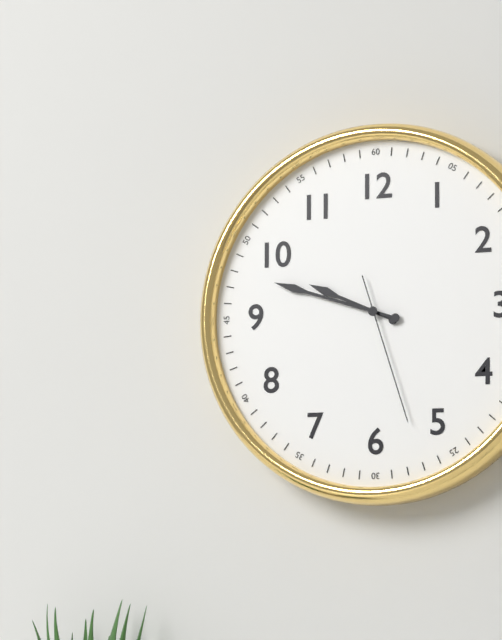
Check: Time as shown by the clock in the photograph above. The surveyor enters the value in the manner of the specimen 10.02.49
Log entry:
9.48.27
